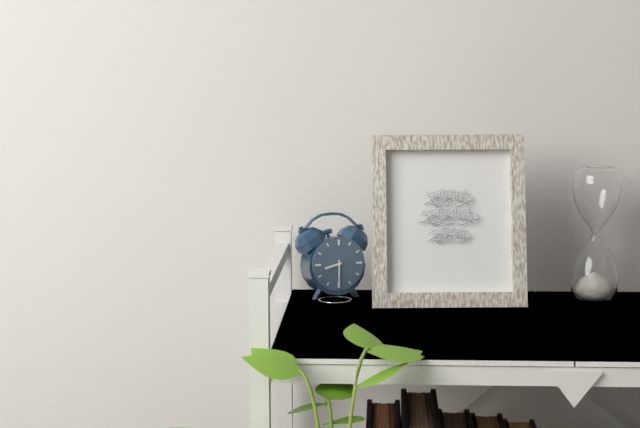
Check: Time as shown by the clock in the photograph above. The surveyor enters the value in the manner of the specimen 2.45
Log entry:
8.30
